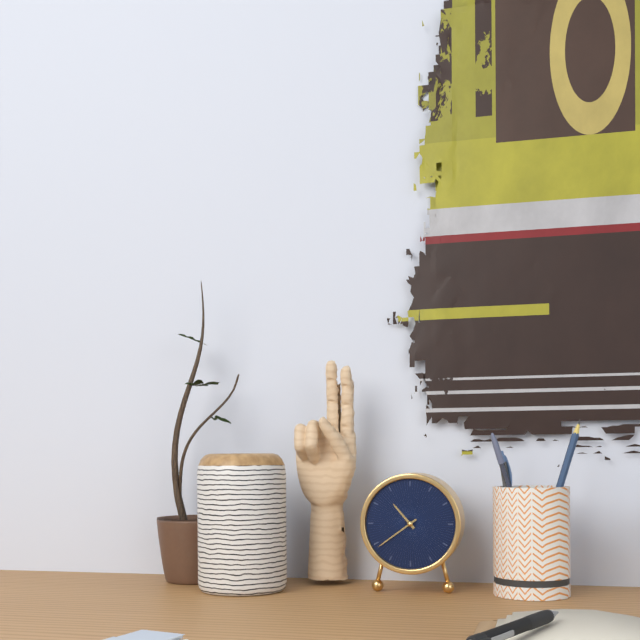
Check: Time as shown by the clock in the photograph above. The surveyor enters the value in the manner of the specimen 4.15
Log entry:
10.39
